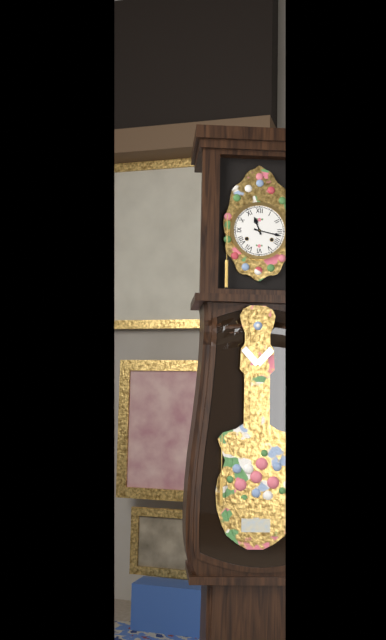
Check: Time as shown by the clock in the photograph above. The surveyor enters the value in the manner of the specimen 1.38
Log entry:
11.17
